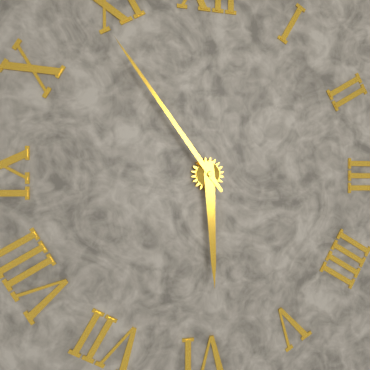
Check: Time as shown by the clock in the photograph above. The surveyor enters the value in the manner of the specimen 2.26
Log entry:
5.54
